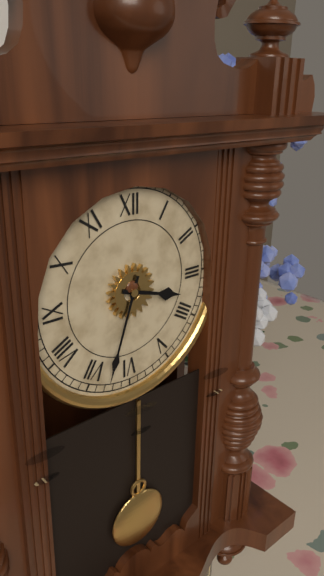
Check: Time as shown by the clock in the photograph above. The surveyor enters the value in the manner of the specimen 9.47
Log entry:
3.33
